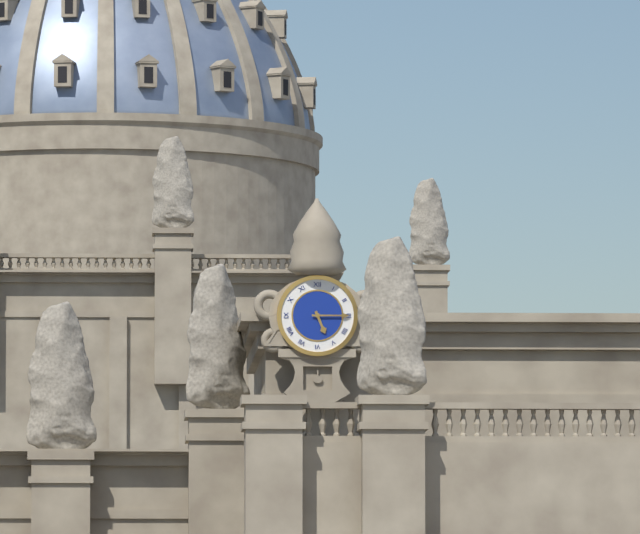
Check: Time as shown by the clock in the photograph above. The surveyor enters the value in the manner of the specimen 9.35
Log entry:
5.15
